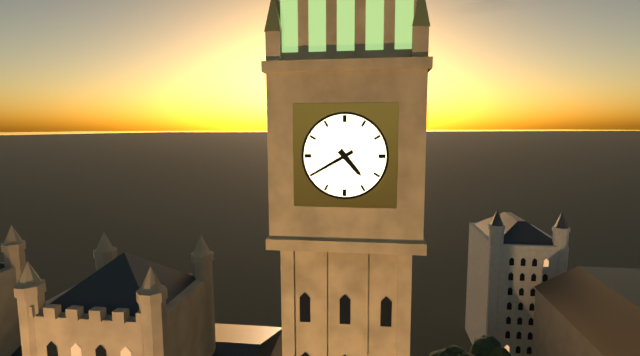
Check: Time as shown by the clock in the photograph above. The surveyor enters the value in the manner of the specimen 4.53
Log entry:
4.40
